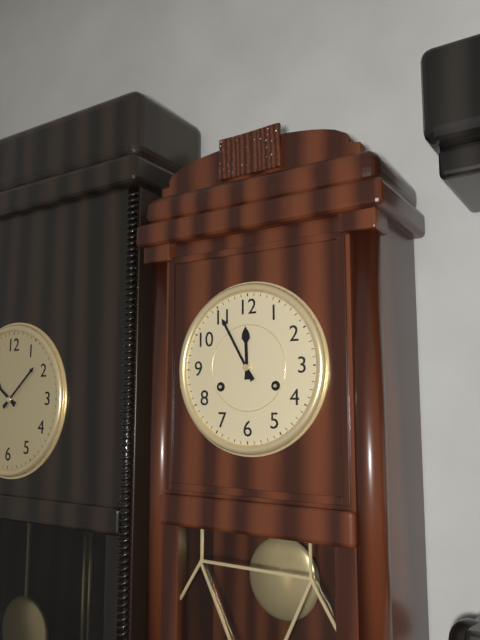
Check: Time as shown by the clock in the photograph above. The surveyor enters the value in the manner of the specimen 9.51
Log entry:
11.55
